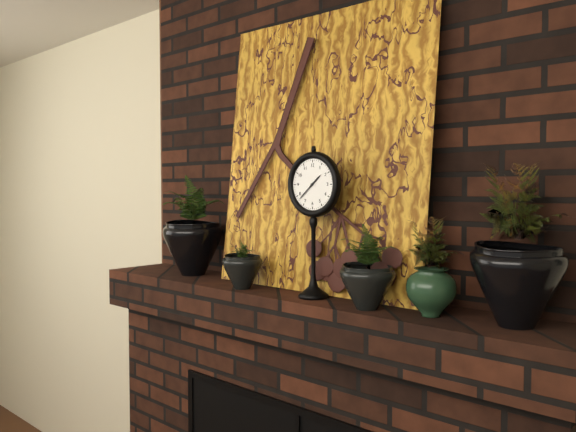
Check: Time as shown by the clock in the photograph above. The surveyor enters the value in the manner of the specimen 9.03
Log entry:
1.38
